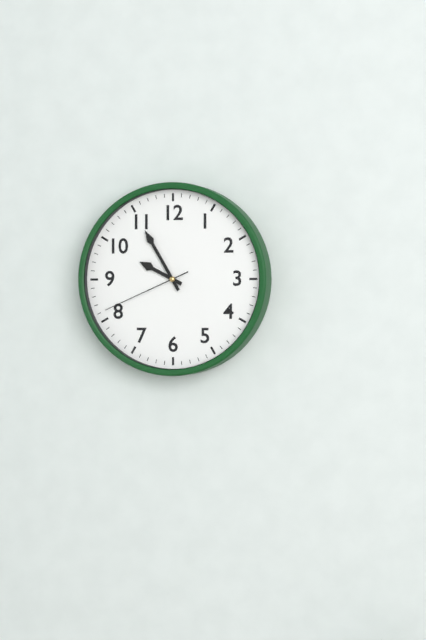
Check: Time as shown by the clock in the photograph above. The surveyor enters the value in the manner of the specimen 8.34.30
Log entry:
9.55.41
